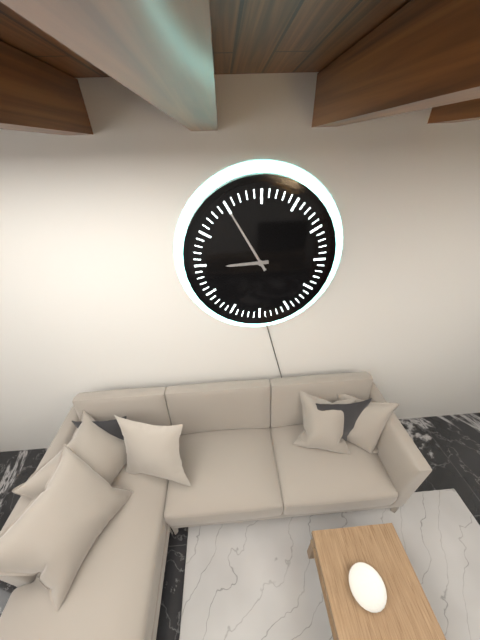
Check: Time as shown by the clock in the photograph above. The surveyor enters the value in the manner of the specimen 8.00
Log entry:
8.55
